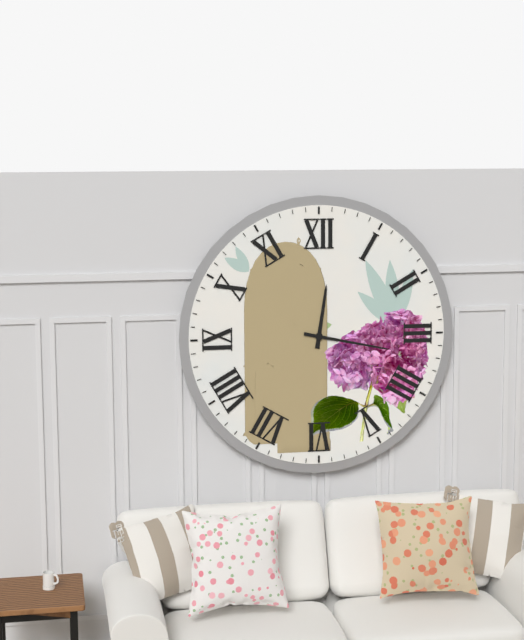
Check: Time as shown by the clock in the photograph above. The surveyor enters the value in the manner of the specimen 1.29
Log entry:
12.17
